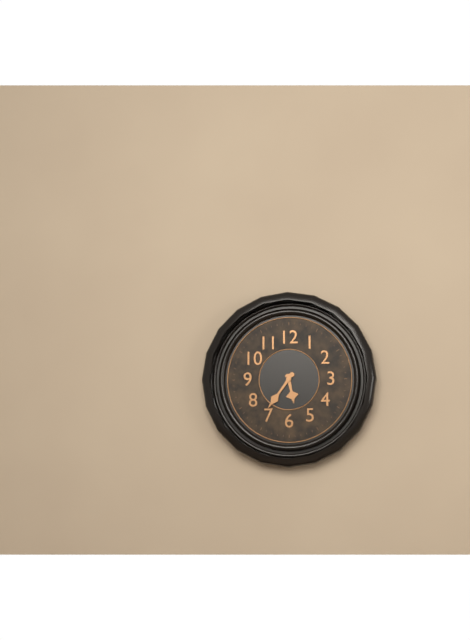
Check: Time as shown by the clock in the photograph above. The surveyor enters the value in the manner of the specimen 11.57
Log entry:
5.36
